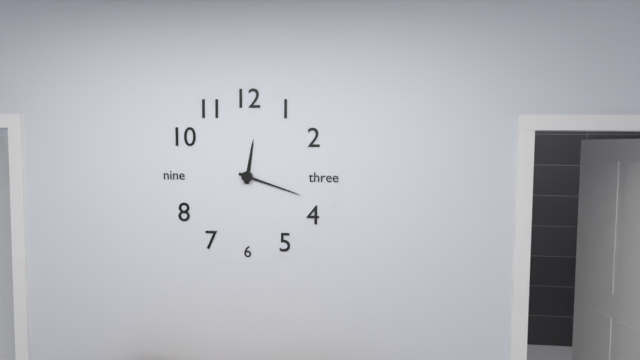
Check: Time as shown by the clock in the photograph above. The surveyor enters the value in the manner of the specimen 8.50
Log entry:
12.18
